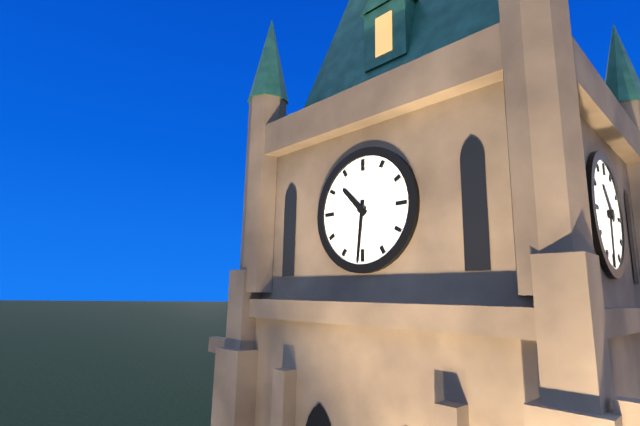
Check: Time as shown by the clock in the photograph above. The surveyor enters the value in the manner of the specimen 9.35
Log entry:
10.31
